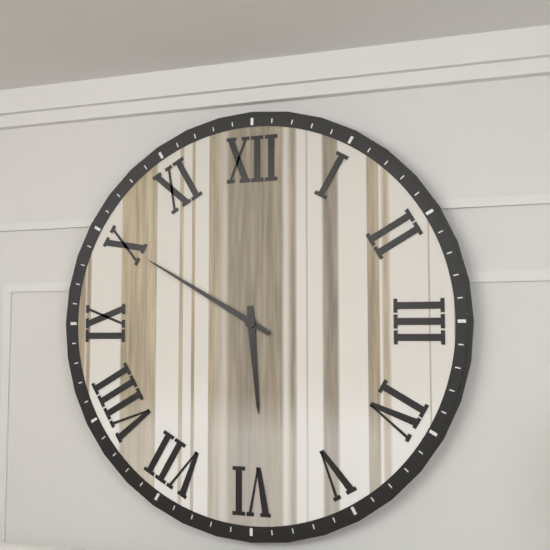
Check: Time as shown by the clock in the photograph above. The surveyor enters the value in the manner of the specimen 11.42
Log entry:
5.50
